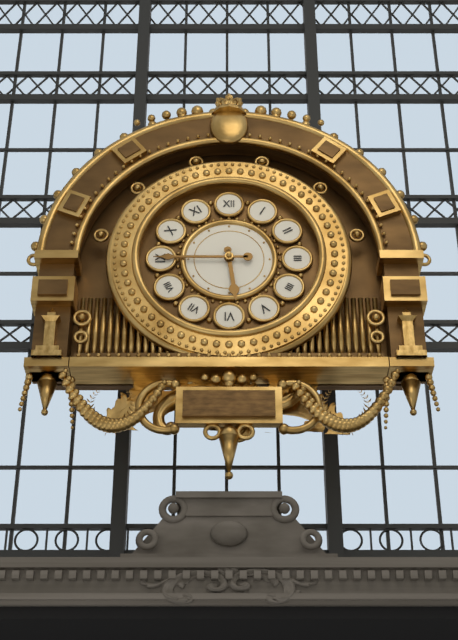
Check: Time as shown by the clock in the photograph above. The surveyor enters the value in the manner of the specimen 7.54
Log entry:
5.45
